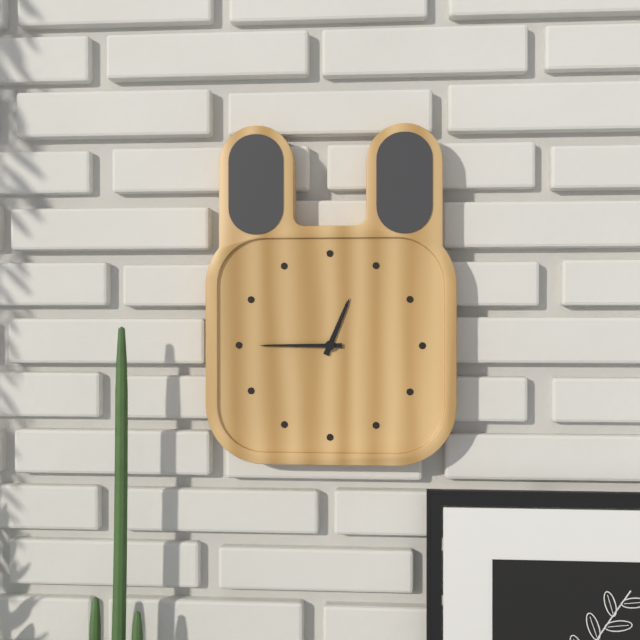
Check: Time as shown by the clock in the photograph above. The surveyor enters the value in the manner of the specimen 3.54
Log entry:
12.45
